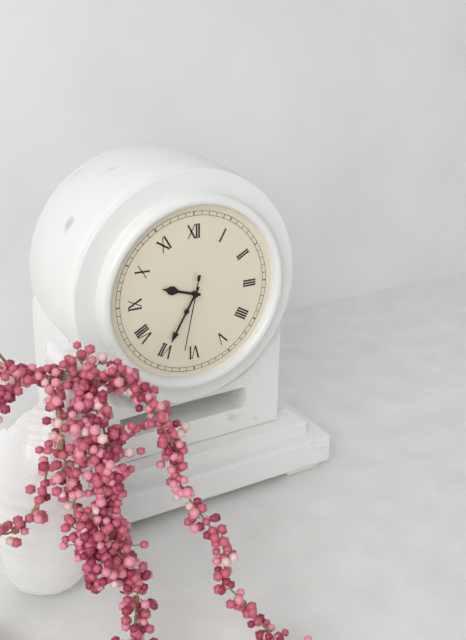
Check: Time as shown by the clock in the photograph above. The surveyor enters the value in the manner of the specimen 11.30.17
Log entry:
9.35.32
